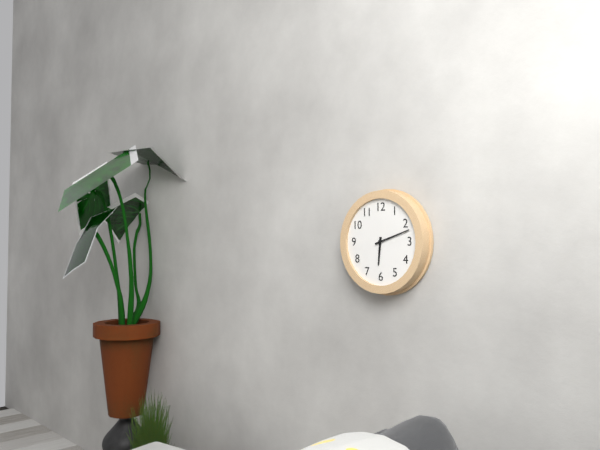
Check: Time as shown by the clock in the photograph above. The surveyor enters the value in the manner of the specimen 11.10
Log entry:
6.12
